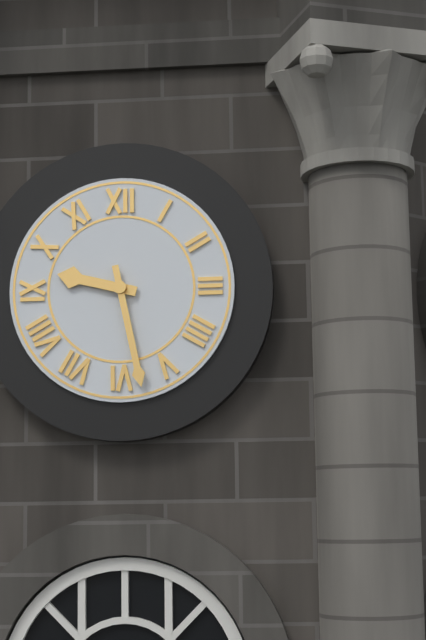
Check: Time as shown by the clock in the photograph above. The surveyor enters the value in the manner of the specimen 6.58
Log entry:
9.28
